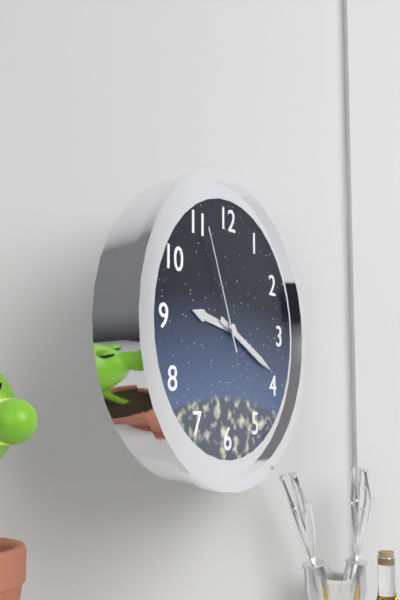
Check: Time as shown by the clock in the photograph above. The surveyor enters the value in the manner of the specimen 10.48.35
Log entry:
9.19.56
